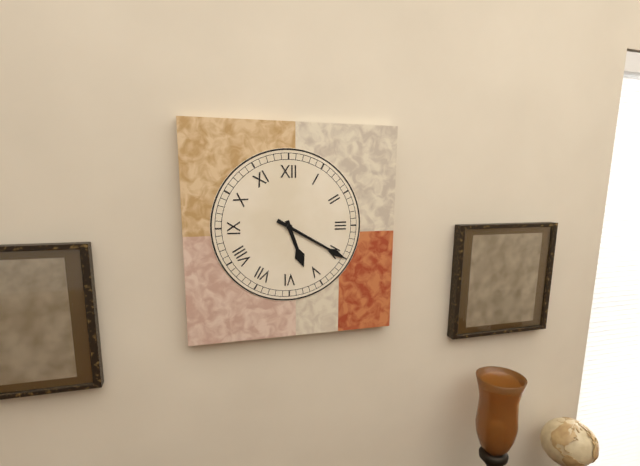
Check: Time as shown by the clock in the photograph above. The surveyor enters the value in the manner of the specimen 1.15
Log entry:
5.20
